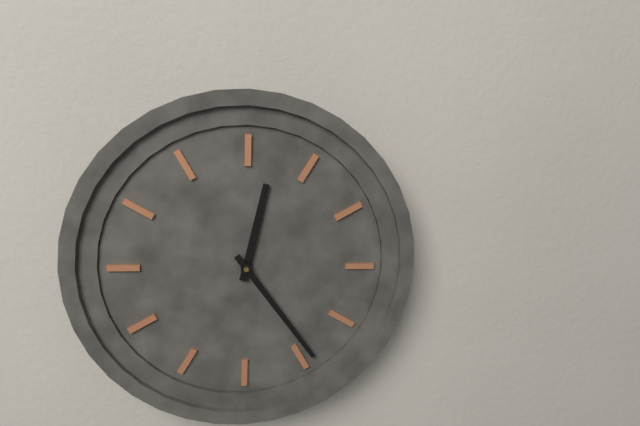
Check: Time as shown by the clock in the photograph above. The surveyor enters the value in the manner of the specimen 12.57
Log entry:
12.24
